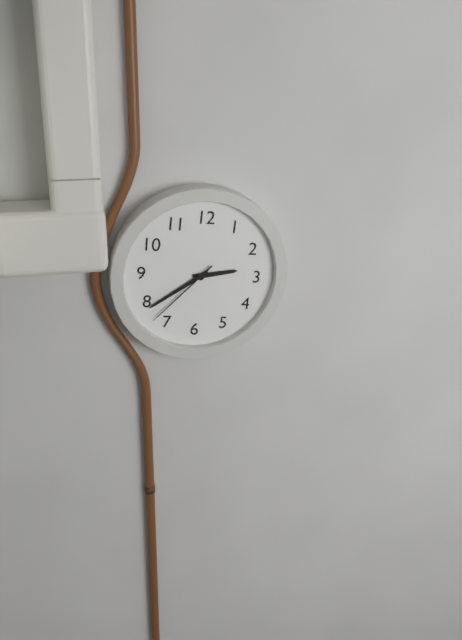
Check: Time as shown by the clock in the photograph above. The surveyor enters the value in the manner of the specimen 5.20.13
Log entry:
2.39.37
